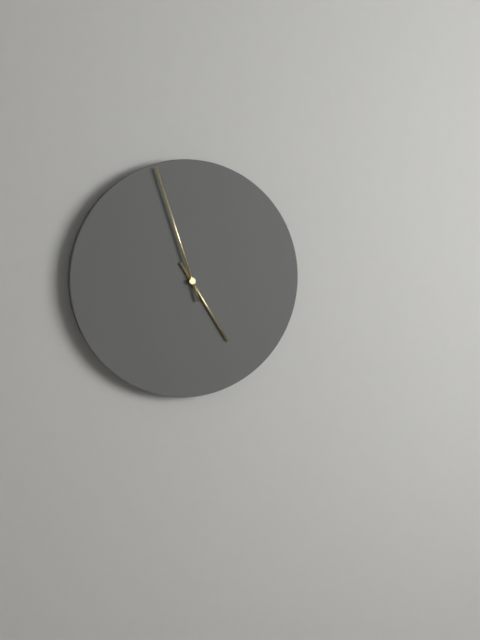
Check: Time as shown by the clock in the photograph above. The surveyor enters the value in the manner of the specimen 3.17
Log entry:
4.57
